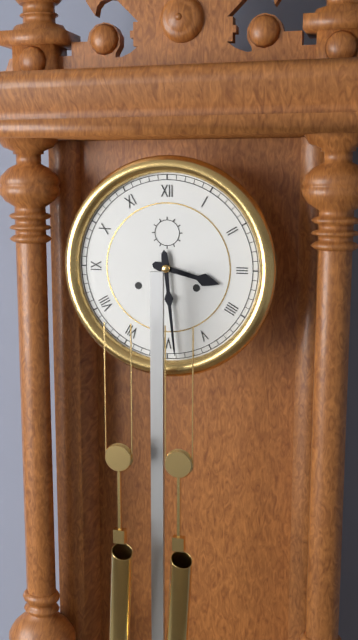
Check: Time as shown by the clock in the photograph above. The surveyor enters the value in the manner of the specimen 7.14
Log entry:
3.29
